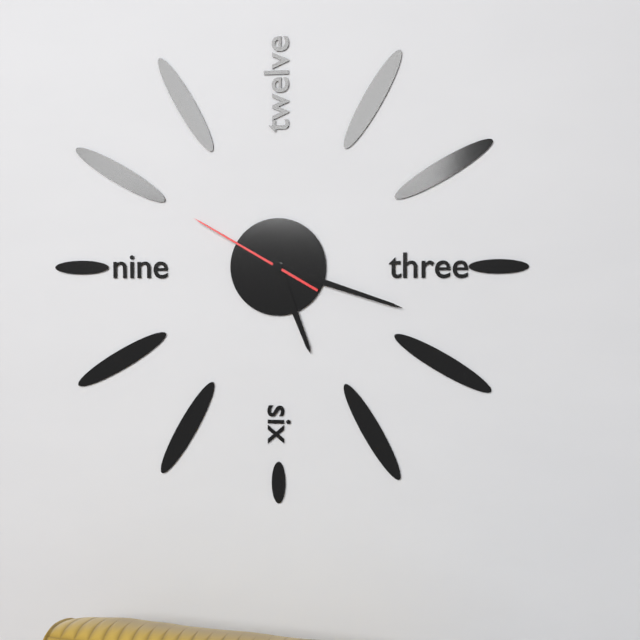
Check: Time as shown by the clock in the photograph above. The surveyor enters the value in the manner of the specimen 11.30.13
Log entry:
5.18.50
